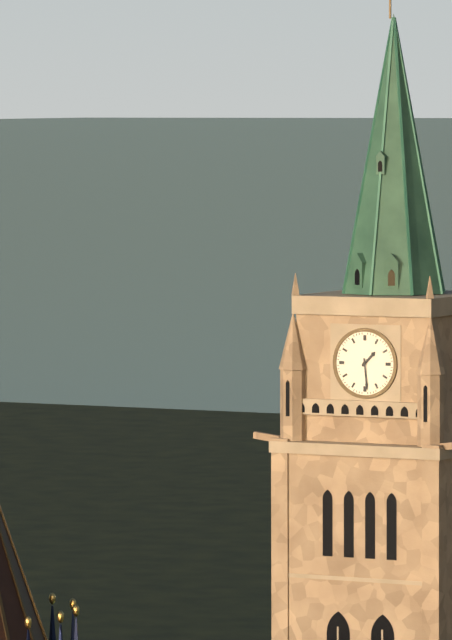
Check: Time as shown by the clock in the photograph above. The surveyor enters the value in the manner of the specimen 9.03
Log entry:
1.29
